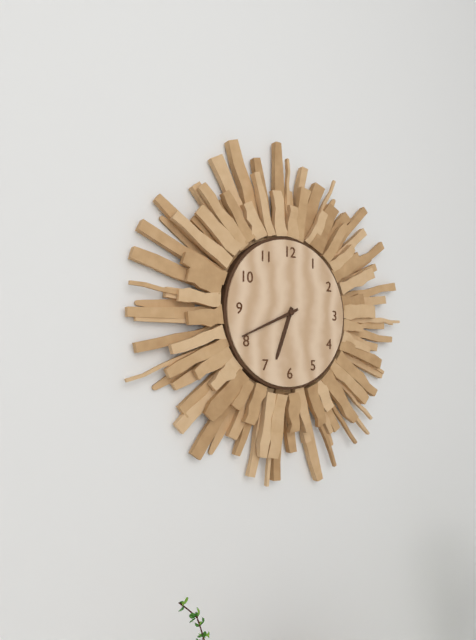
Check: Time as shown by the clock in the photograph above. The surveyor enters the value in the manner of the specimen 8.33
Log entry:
6.41
